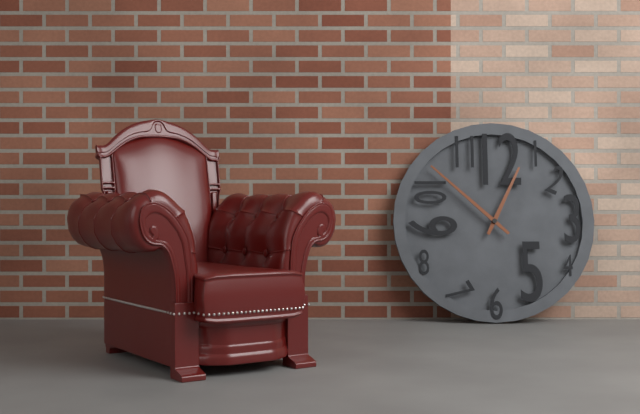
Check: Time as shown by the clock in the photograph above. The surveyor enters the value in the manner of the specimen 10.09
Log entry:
12.52
